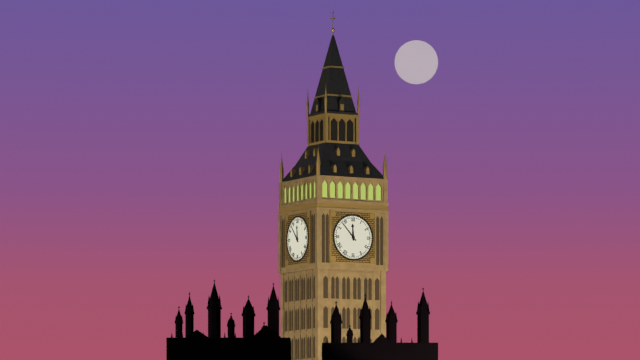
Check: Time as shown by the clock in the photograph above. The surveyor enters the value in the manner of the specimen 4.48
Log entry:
11.53
